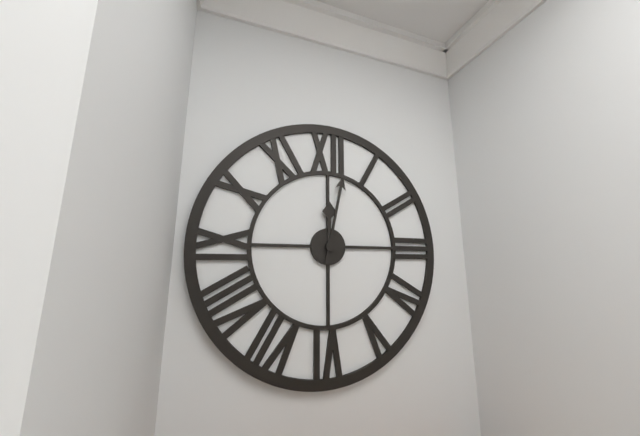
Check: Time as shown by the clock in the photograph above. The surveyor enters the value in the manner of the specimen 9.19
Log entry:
12.02
